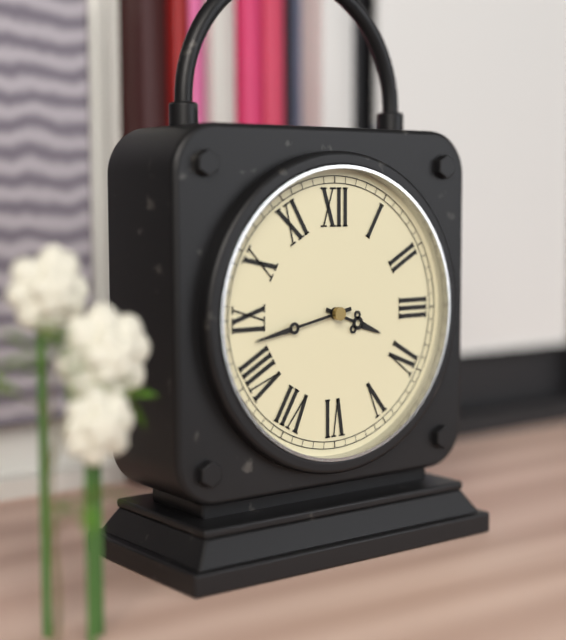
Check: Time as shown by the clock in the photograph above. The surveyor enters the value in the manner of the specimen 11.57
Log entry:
3.43
